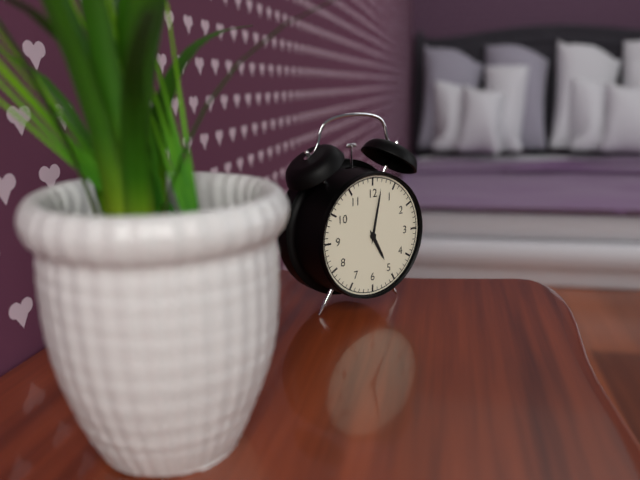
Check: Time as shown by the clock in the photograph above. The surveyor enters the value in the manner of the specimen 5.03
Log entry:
5.02
